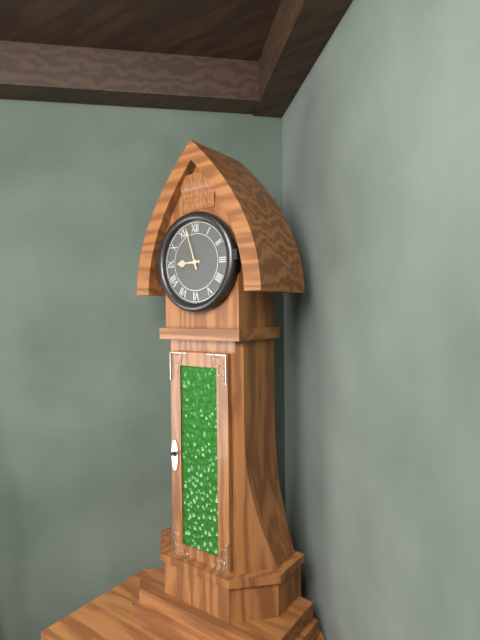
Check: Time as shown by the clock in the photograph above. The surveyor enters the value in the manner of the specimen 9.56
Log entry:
8.57
